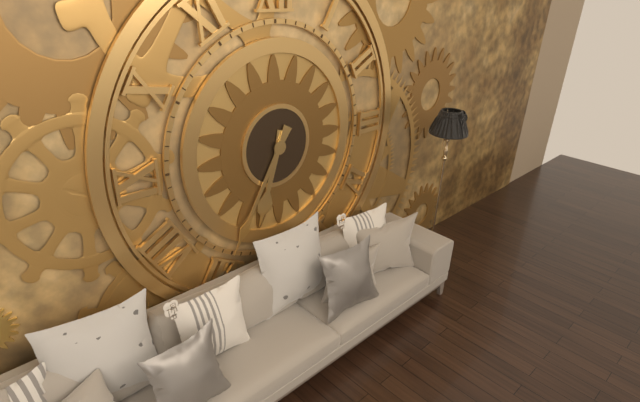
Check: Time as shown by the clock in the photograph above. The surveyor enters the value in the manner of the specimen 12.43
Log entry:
6.35
